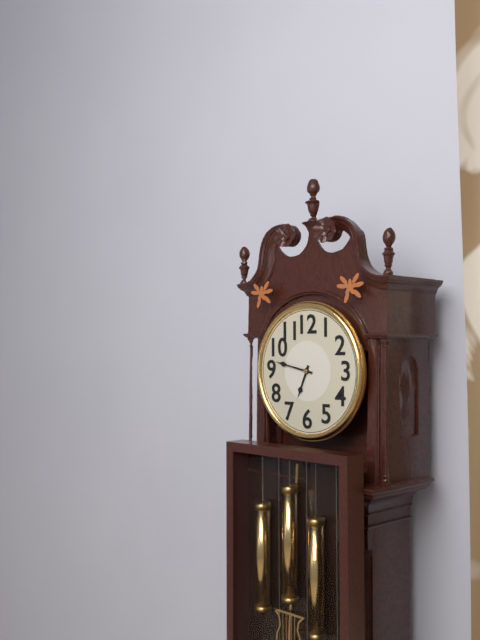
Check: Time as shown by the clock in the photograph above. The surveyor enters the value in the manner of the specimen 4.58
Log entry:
6.47
